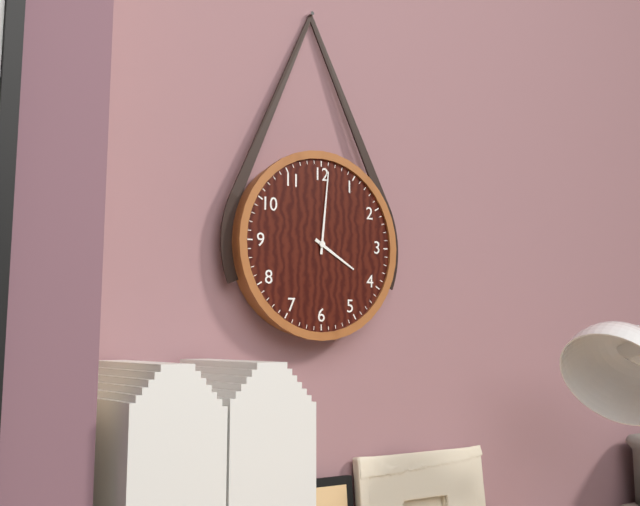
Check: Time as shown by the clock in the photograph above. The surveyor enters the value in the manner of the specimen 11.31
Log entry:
4.01
